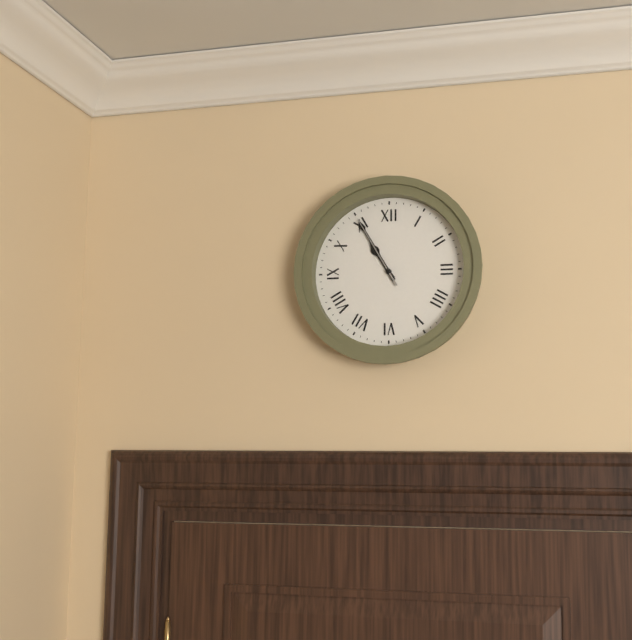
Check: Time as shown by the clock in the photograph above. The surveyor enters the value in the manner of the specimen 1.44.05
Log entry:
10.55.55
